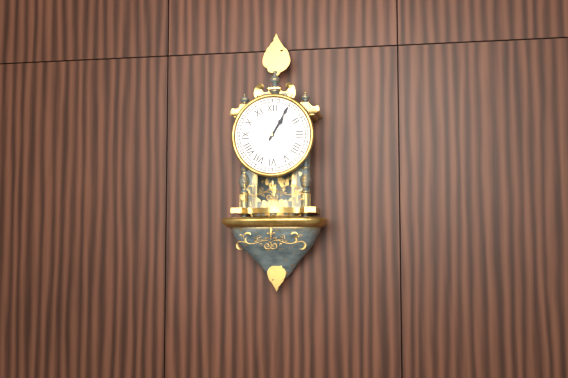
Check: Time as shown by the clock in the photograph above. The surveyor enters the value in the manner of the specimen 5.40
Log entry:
1.05
